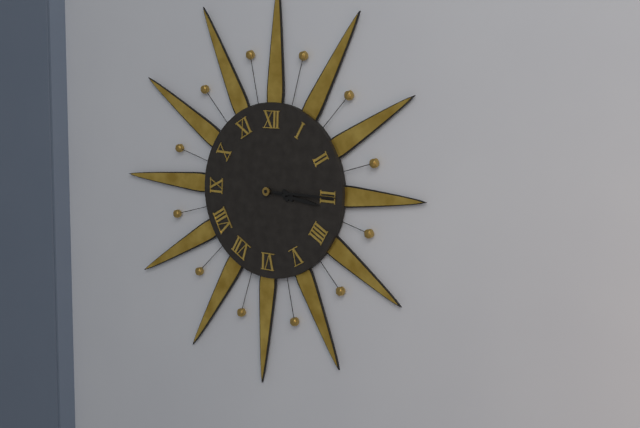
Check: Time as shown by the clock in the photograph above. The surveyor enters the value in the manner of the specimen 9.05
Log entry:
3.15
